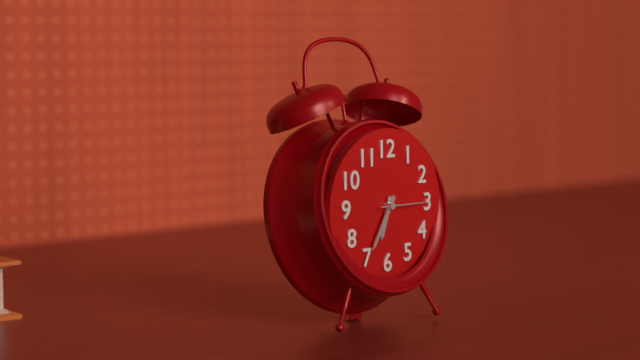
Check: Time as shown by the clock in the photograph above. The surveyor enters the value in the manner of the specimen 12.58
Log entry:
6.35
